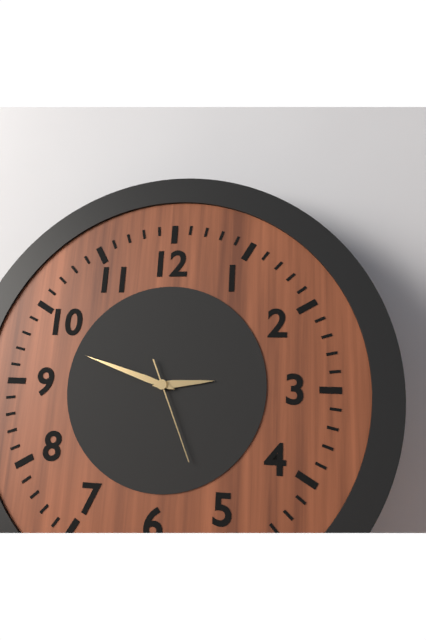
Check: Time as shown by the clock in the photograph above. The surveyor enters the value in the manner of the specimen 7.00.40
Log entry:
2.48.26
